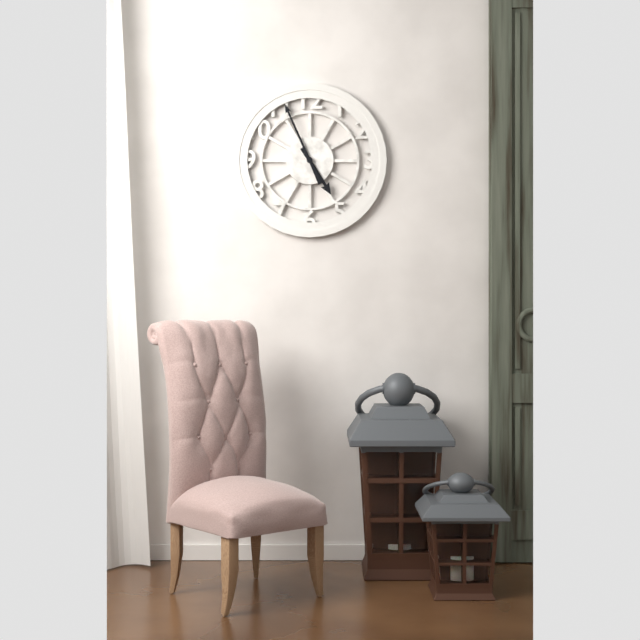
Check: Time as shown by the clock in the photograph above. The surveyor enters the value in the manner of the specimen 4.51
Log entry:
4.56
